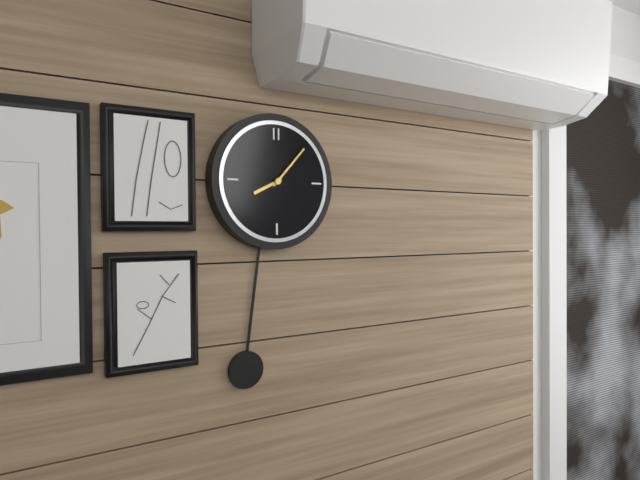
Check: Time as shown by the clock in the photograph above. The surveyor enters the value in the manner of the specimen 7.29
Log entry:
8.07
